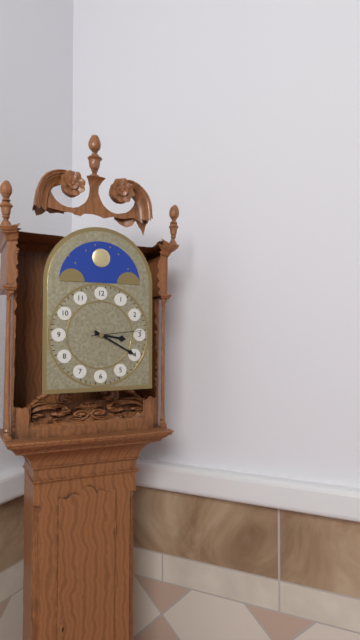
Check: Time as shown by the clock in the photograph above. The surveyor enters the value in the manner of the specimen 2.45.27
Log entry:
3.20.14
